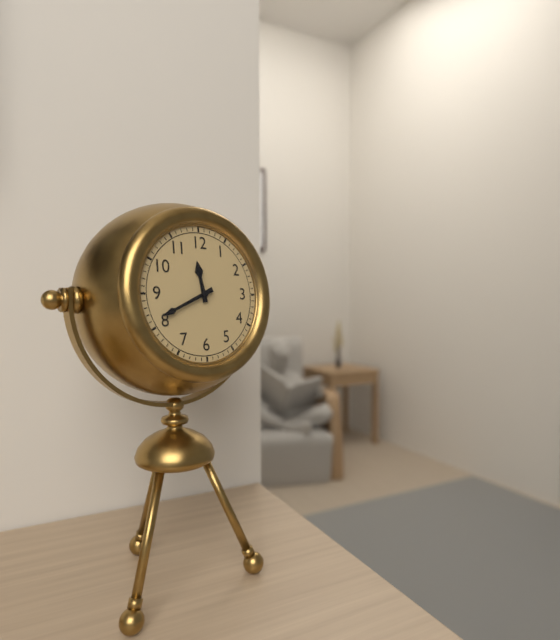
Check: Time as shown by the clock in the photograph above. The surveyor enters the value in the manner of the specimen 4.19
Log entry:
11.41
